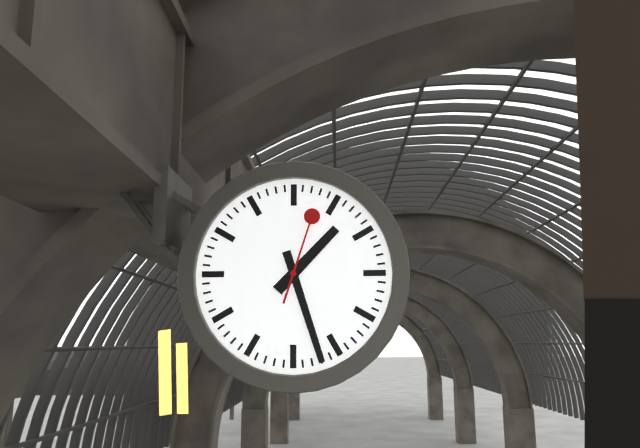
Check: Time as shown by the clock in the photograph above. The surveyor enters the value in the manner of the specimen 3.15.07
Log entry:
1.27.03
